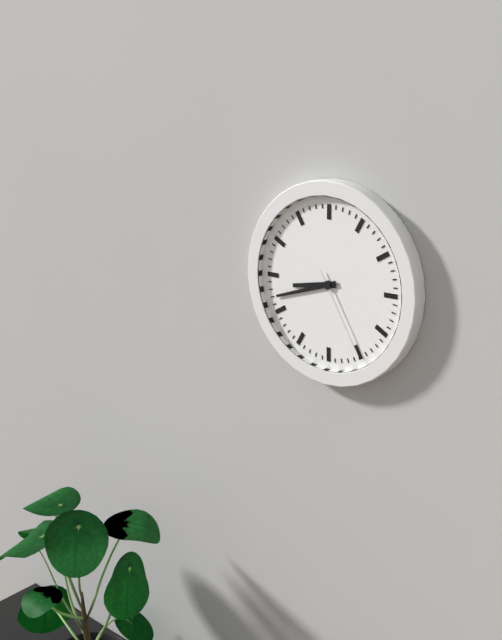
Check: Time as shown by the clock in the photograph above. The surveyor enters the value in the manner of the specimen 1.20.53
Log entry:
8.42.25
